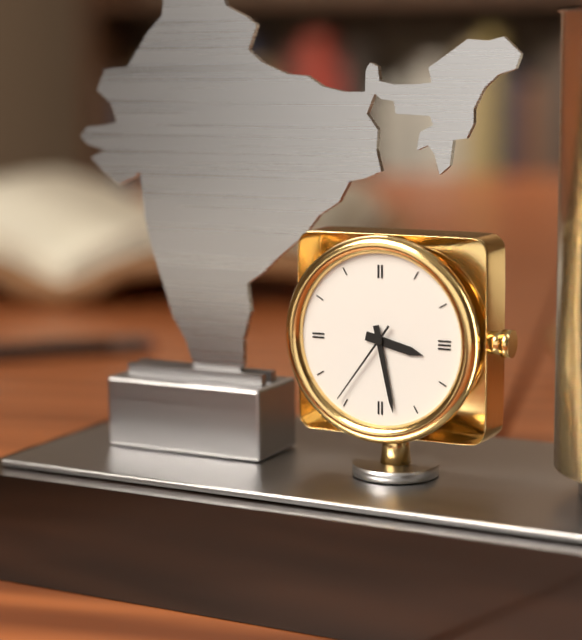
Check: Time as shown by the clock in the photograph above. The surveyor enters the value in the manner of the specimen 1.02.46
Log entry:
3.28.36
